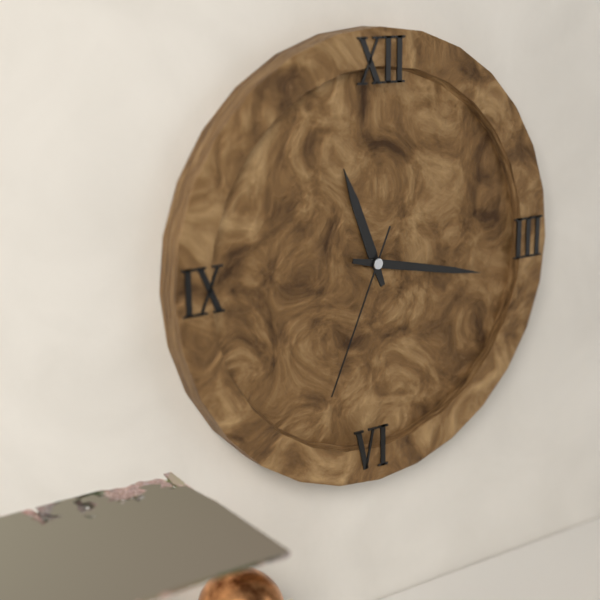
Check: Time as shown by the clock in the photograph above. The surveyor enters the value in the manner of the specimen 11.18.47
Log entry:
11.17.34
